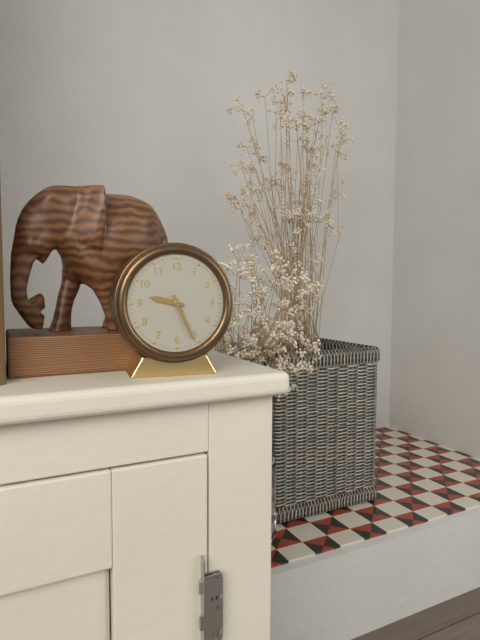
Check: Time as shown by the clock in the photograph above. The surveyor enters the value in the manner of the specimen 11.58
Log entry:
9.26
